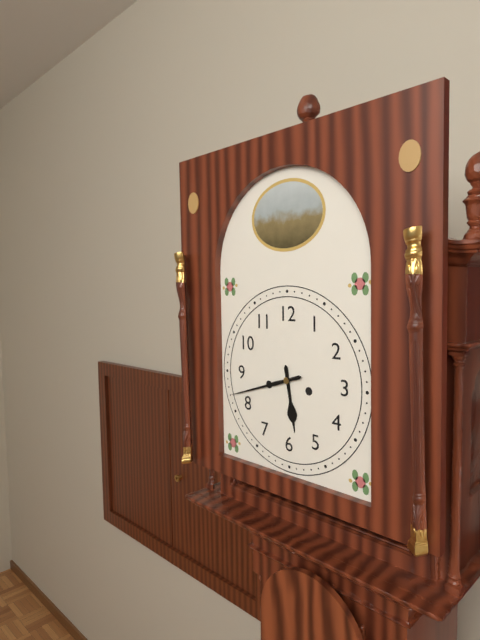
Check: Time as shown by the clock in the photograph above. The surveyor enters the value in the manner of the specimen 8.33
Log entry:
5.42
